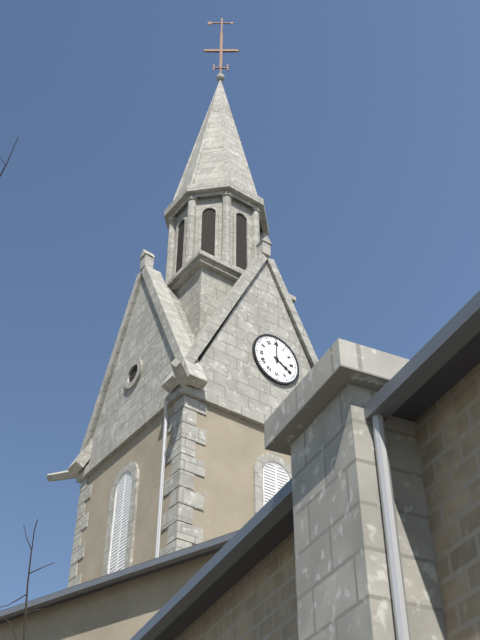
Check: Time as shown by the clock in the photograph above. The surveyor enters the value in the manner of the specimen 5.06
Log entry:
4.00
